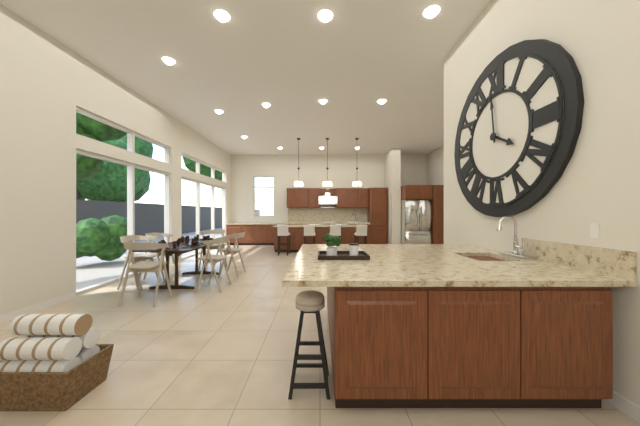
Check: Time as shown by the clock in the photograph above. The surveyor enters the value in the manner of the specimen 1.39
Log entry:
3.59
